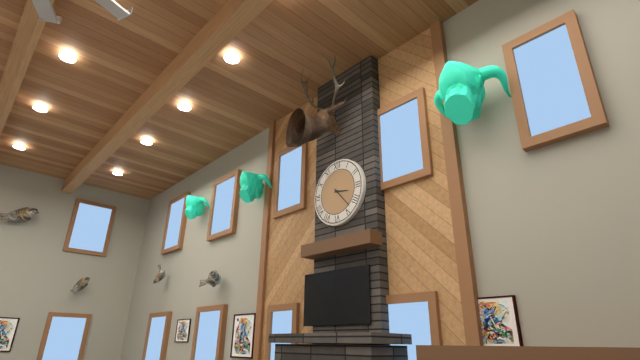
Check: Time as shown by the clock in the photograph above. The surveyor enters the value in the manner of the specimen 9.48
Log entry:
3.23
